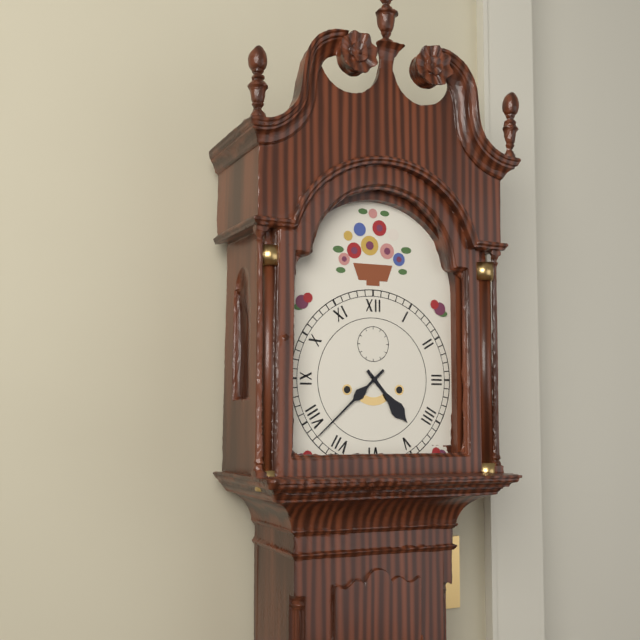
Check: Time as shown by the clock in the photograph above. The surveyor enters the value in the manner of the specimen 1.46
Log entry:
4.38
